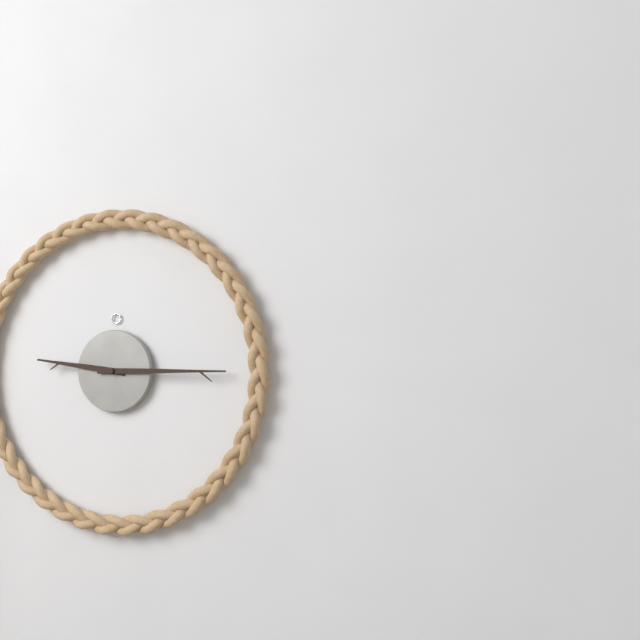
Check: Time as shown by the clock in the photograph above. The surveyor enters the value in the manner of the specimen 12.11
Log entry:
9.15
